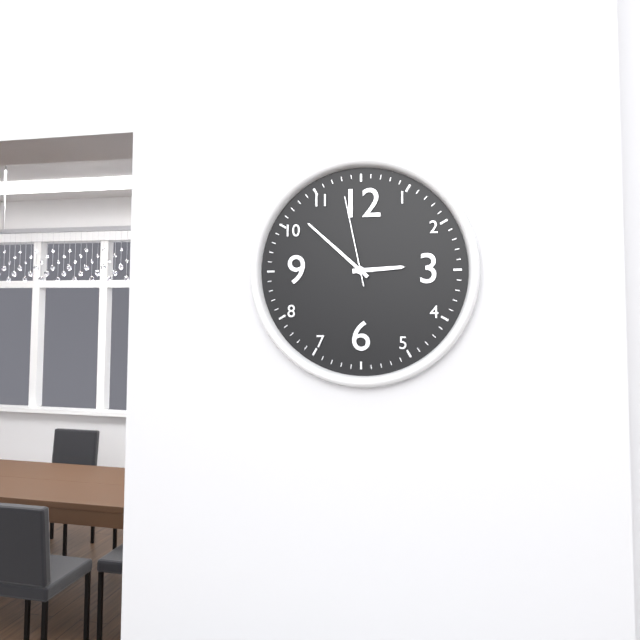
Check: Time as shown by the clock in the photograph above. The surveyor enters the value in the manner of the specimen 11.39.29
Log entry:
2.52.58
